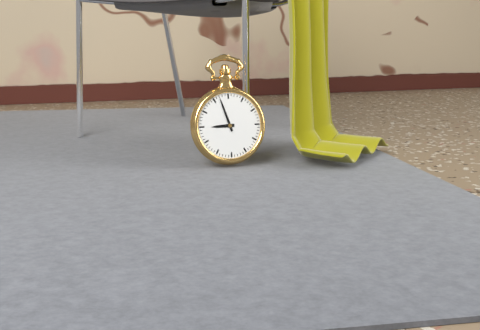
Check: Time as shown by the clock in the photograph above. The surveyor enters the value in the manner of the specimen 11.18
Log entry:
8.57
